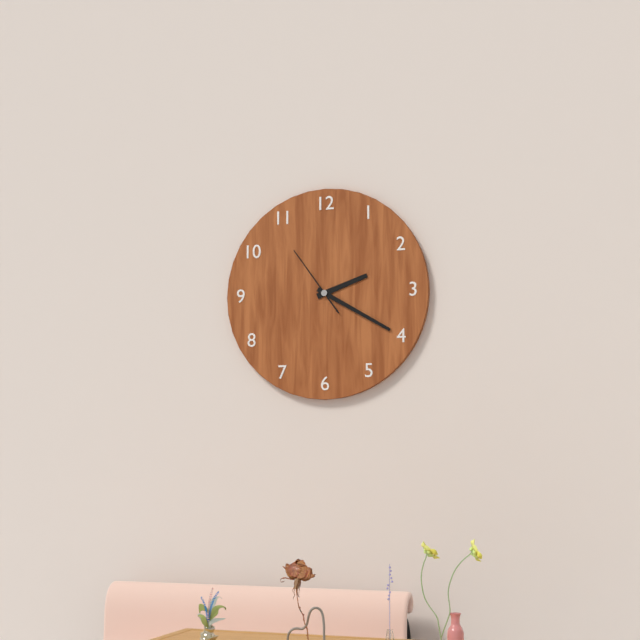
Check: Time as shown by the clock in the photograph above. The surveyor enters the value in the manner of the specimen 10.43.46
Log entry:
2.20.54
